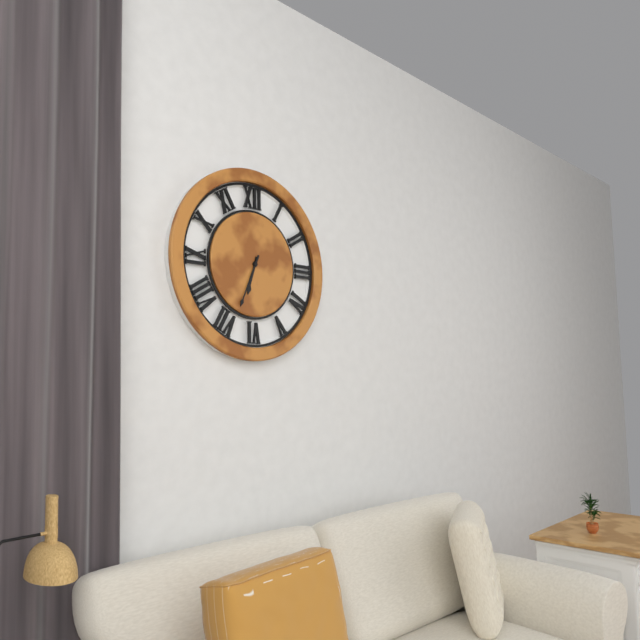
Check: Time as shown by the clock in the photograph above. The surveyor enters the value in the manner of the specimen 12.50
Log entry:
6.34
